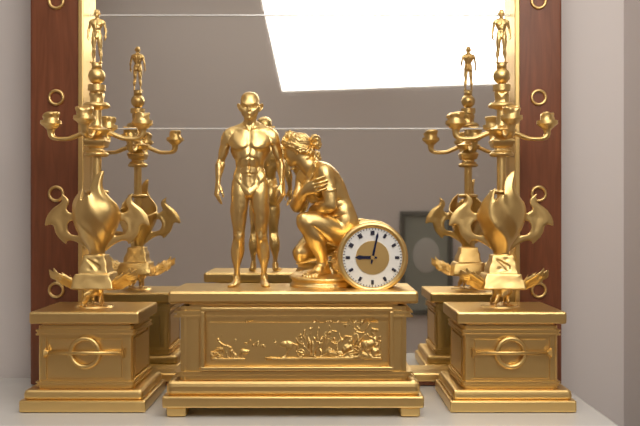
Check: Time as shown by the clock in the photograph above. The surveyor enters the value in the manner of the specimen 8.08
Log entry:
9.02
